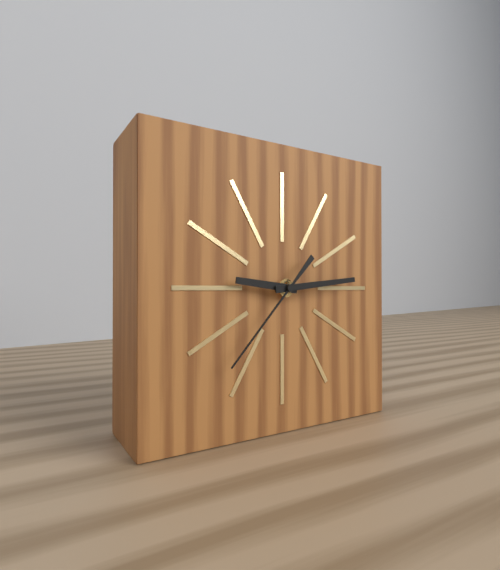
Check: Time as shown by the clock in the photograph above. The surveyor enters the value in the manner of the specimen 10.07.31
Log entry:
9.14.37
